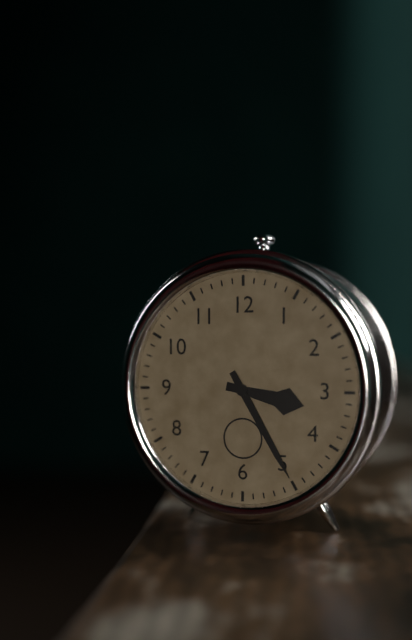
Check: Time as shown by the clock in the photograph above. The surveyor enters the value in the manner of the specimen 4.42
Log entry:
3.25
